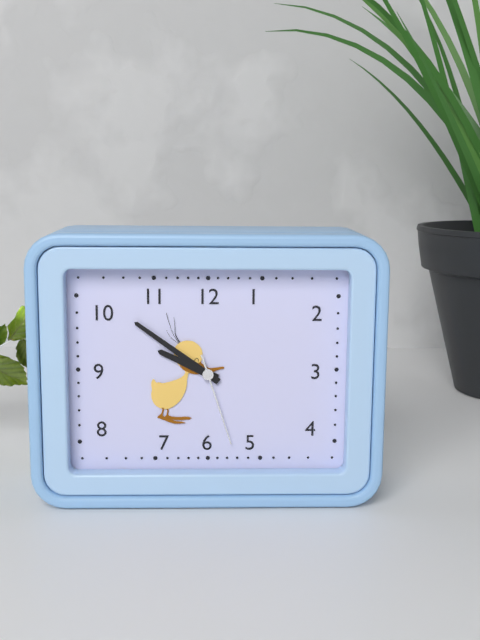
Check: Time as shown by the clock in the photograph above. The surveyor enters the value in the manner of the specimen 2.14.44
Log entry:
9.51.27
